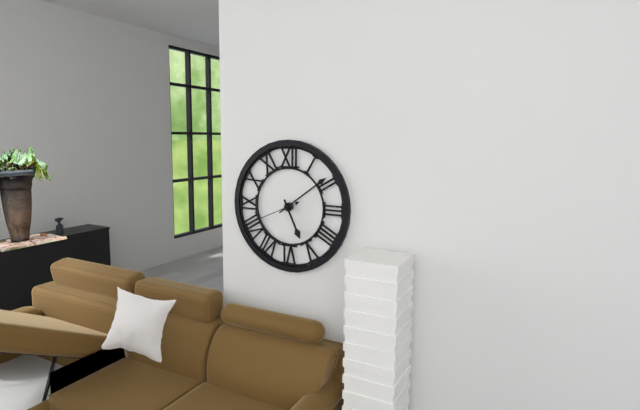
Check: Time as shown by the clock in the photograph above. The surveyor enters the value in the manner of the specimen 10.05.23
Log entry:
5.09.41
